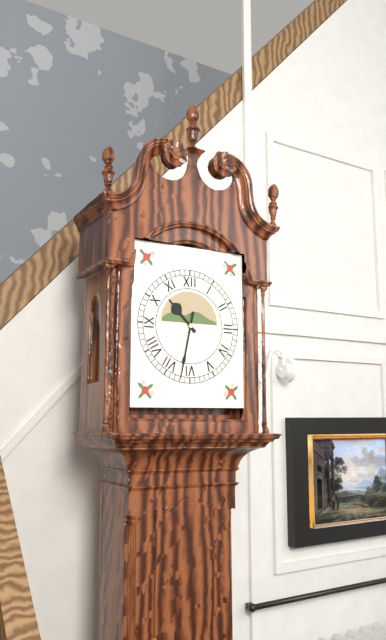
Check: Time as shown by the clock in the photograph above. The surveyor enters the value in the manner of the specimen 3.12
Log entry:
10.32
